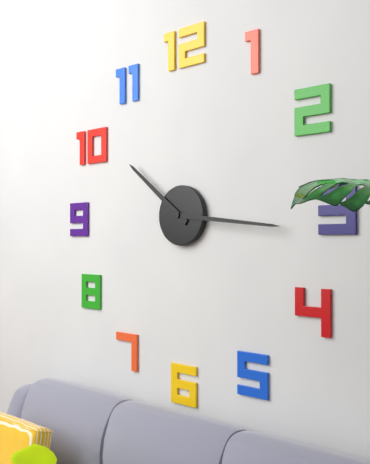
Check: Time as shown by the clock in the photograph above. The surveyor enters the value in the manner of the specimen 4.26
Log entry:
10.16
